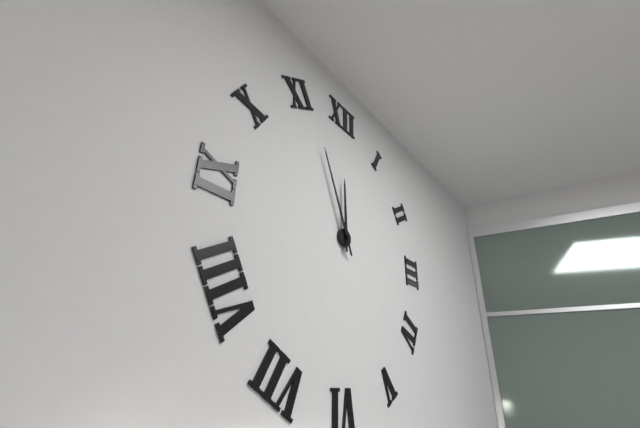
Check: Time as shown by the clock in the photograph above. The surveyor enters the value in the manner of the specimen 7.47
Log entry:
11.56
